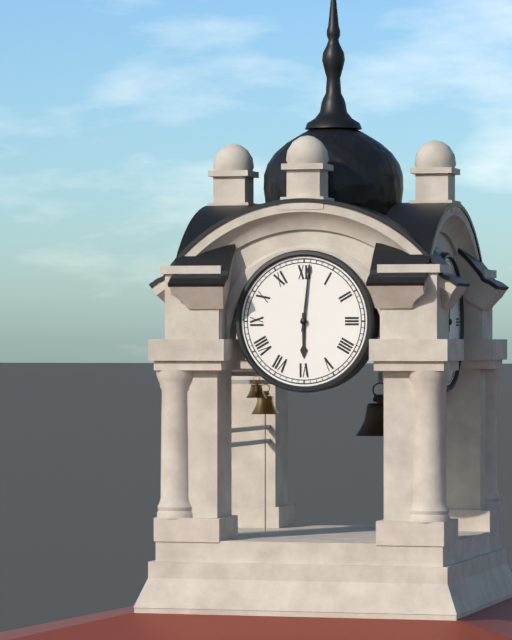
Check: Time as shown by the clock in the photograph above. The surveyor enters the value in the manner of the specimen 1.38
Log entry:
6.01
